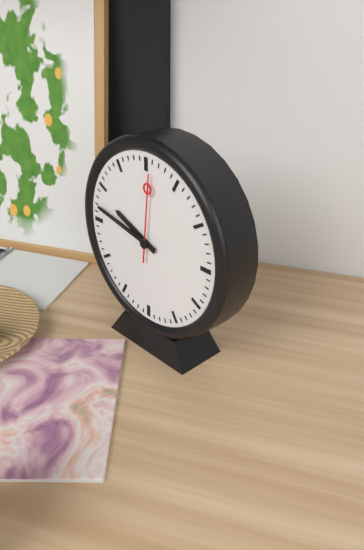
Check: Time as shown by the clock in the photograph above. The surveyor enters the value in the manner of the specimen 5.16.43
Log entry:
9.47.01
